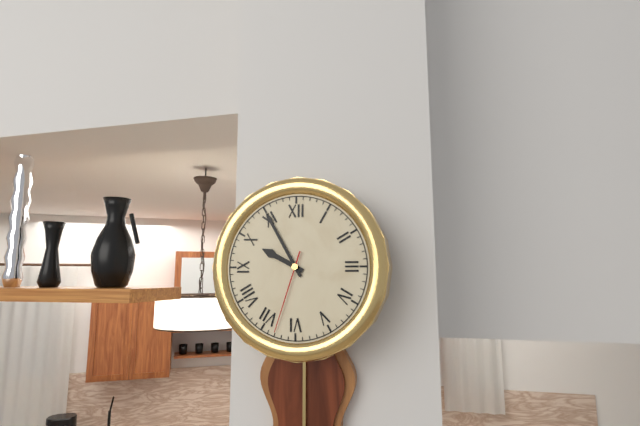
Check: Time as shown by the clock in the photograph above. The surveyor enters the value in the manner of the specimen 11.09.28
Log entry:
9.55.33
